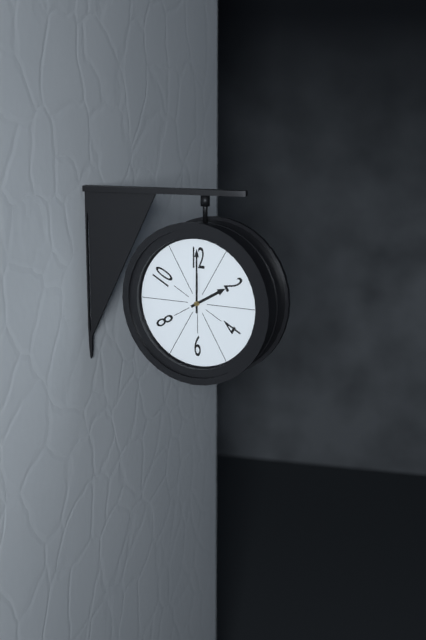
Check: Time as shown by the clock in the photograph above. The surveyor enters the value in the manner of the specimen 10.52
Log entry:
2.00
